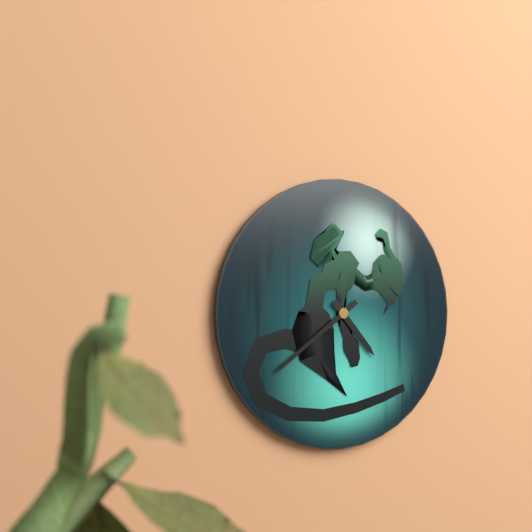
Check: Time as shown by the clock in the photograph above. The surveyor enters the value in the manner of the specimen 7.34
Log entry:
4.39
